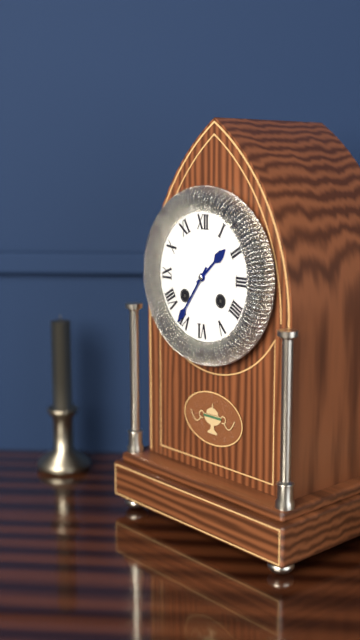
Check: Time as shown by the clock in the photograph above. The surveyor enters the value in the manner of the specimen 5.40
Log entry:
1.36
